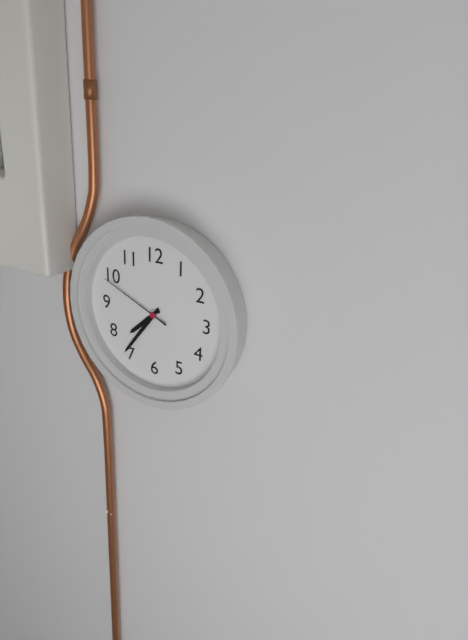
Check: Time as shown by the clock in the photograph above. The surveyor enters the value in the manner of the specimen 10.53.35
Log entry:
7.36.49
